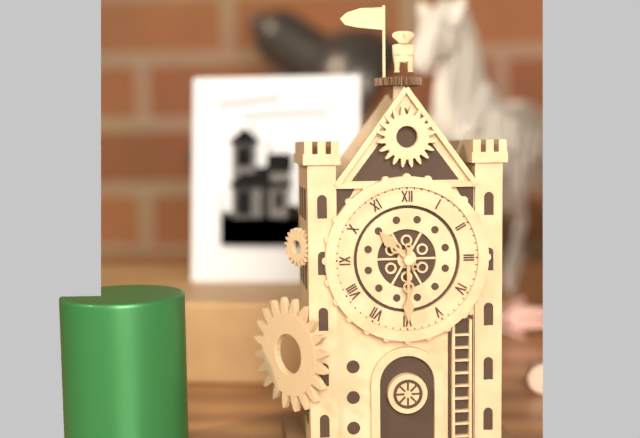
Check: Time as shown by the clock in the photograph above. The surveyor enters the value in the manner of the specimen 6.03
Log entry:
10.30
